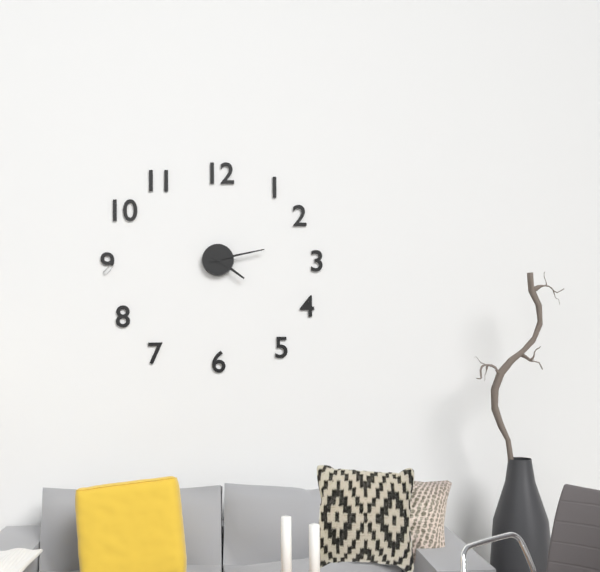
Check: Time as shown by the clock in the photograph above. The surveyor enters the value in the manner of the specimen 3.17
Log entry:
4.13
